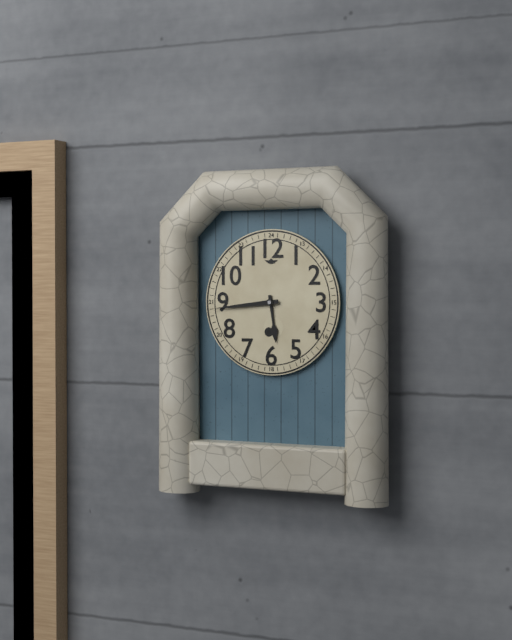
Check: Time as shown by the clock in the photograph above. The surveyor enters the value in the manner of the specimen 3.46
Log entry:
5.44
